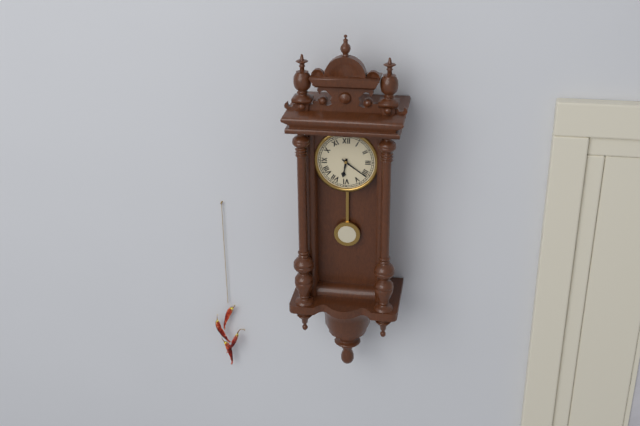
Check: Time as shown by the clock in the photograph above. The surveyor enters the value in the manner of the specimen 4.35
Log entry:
6.21
